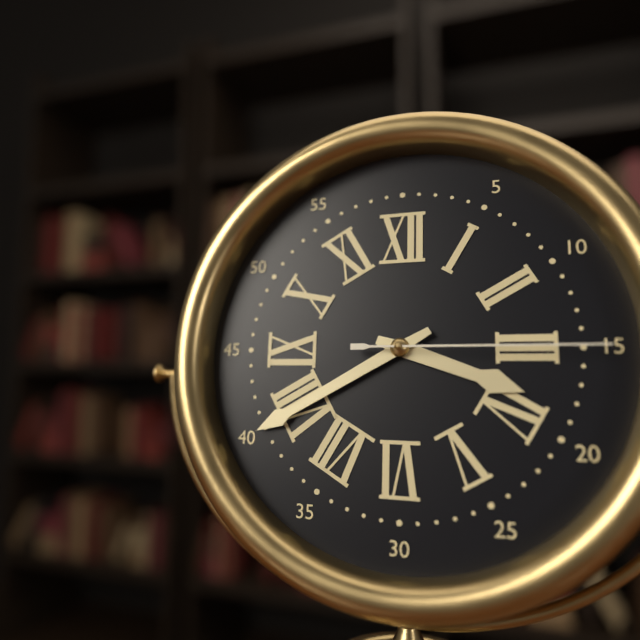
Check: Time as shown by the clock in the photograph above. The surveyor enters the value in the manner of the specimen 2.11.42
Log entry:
3.40.15
